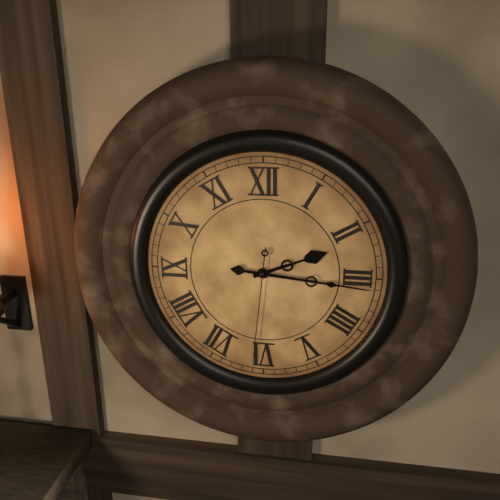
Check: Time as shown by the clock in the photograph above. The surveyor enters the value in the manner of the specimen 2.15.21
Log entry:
2.16.31
